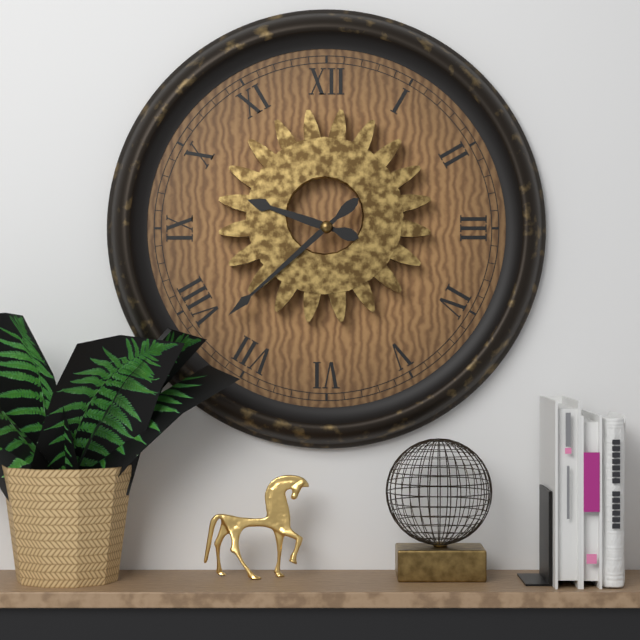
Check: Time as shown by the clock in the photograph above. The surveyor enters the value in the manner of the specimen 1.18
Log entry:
9.38
